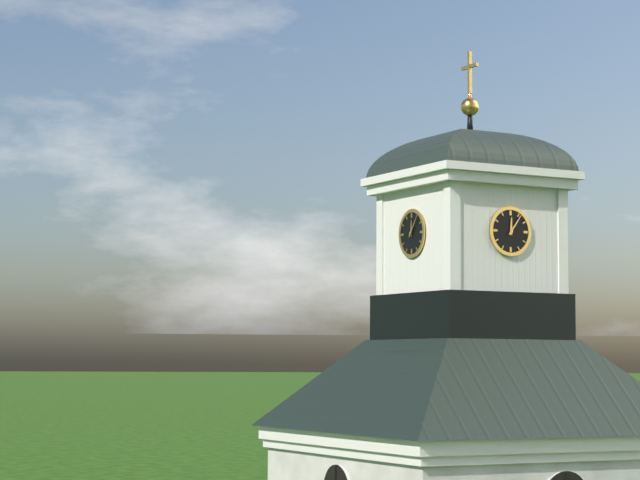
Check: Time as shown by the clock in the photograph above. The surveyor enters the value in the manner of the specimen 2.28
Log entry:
12.06
